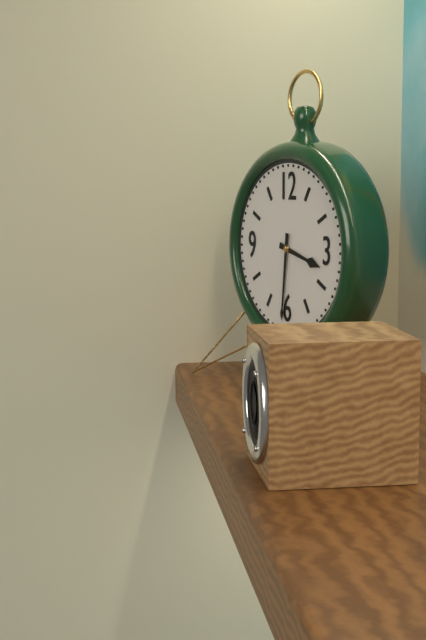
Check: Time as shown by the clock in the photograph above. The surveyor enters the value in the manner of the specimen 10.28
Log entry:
3.31
